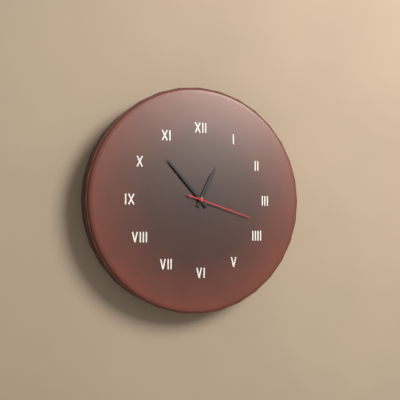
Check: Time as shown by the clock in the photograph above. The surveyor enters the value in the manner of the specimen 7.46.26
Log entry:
12.53.18
